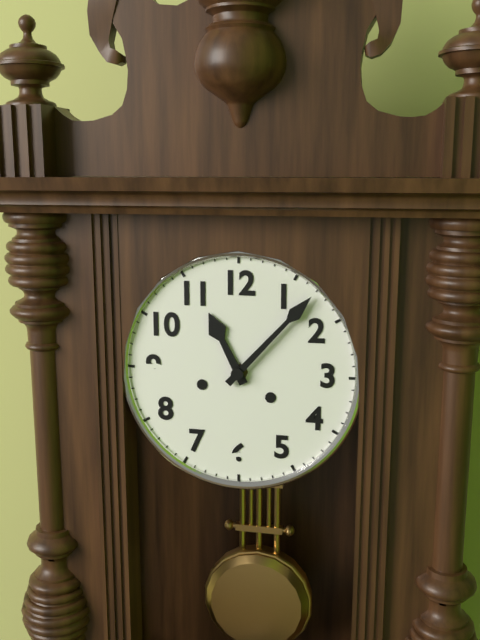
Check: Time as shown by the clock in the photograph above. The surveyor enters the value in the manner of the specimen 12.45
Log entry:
11.07
